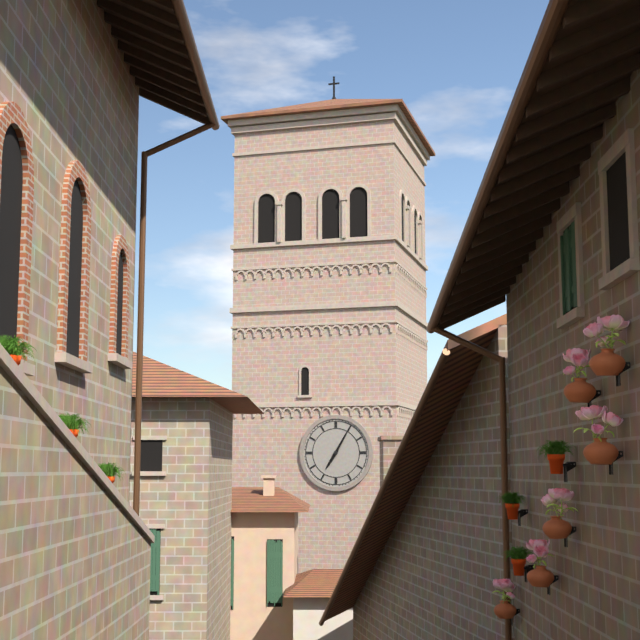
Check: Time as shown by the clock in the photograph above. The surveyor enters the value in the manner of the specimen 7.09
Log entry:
7.05
